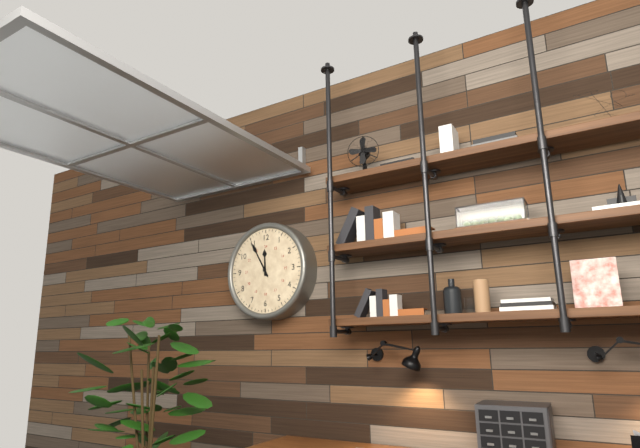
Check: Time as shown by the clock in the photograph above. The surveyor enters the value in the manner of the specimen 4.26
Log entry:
11.55
